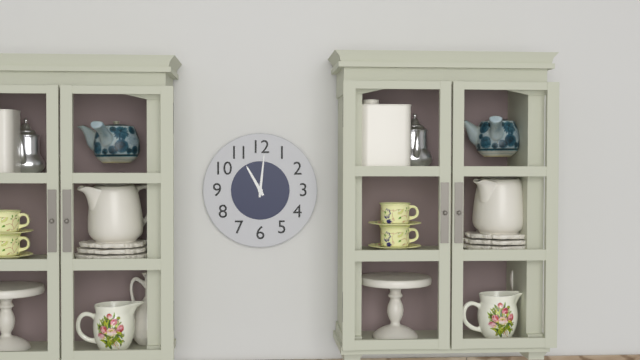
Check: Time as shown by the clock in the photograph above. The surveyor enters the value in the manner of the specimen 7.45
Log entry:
11.01
